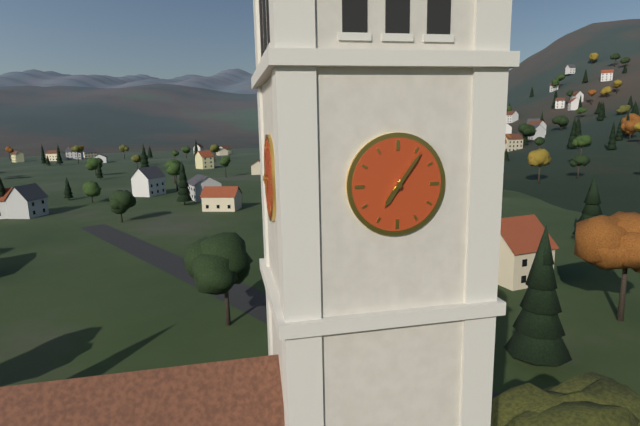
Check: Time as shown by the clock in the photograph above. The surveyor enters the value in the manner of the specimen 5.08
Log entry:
7.06
